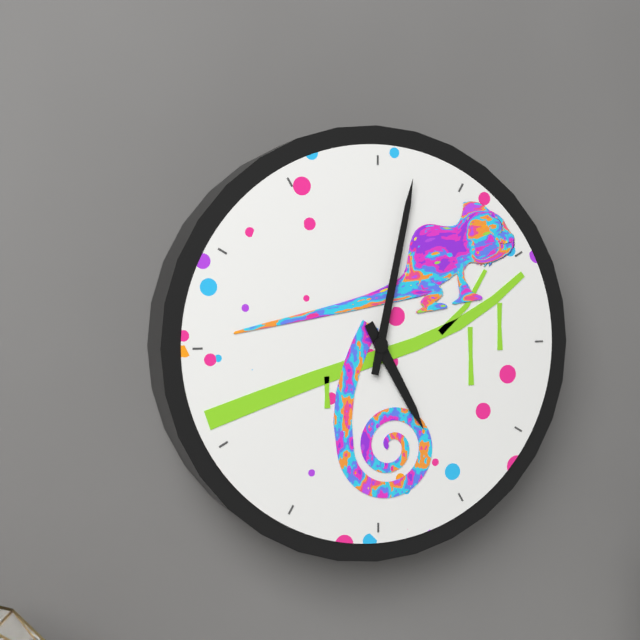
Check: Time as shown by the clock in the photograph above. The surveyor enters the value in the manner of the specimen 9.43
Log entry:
5.02
